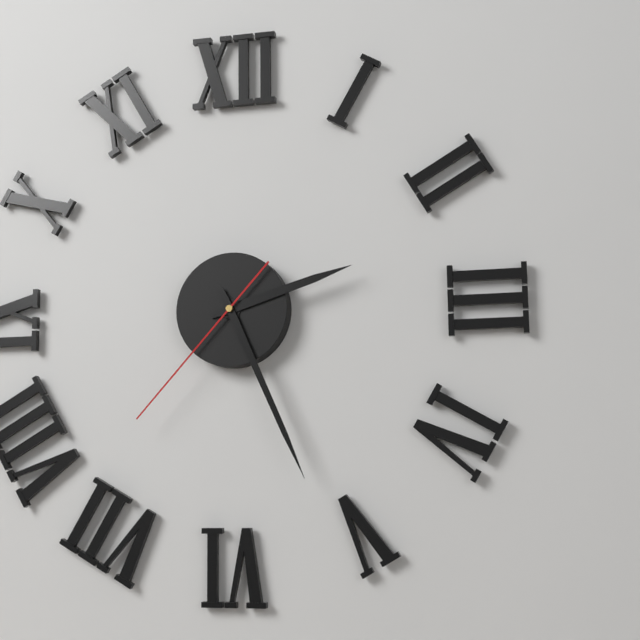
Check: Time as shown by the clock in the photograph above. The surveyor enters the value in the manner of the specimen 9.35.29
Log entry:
2.26.37
